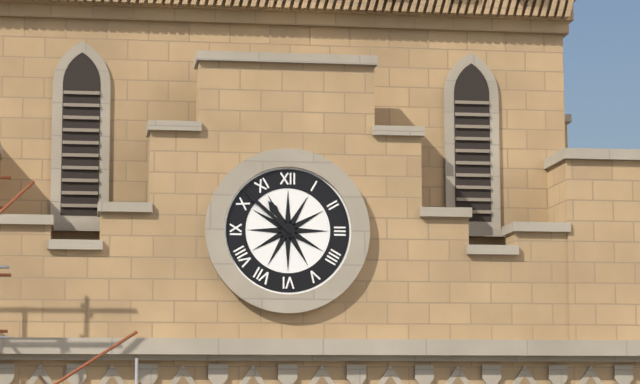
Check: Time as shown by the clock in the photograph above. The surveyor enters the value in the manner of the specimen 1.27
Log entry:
10.52
